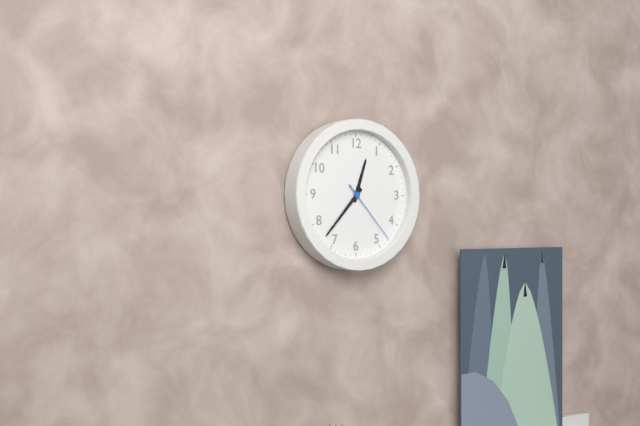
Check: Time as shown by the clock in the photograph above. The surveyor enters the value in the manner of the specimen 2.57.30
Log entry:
12.37.23
